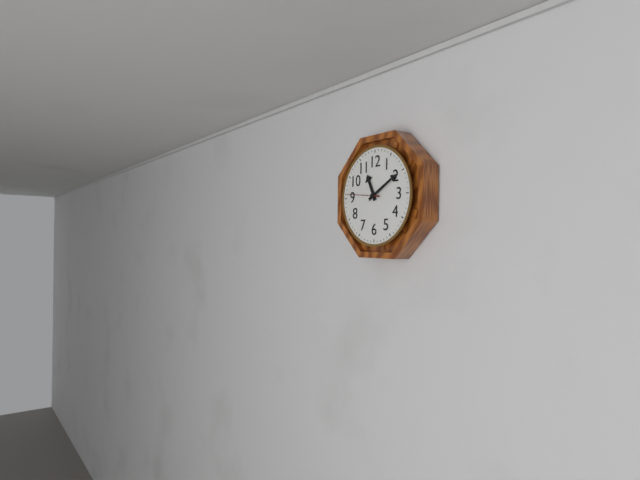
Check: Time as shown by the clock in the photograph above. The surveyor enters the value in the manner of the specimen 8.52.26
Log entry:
11.10.46
